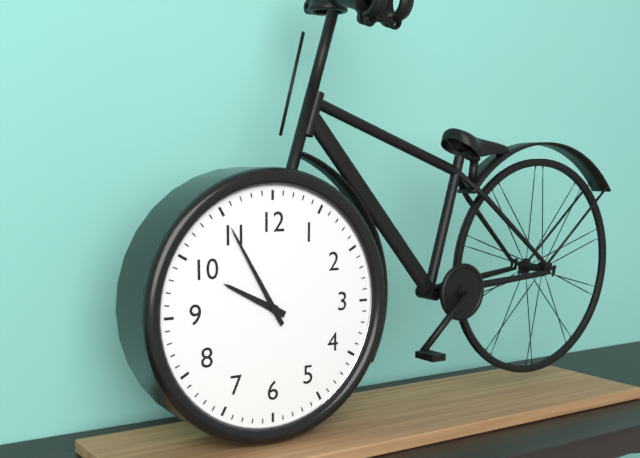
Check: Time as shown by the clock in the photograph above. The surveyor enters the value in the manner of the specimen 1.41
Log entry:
9.55
